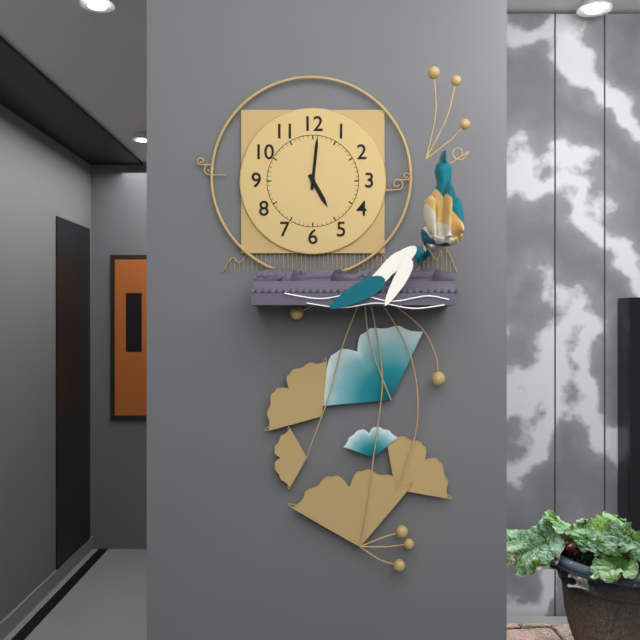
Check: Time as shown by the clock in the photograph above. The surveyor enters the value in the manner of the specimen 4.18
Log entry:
5.01
